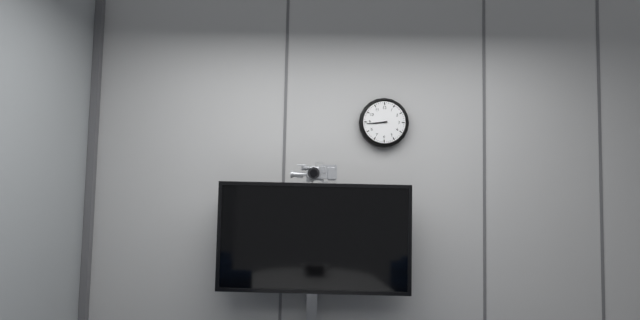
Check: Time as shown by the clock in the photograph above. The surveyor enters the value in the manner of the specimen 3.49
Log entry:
8.44
